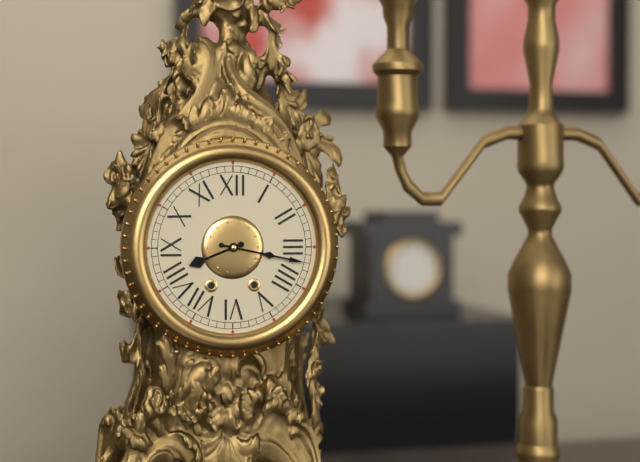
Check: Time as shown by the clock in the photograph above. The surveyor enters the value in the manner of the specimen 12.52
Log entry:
8.17
